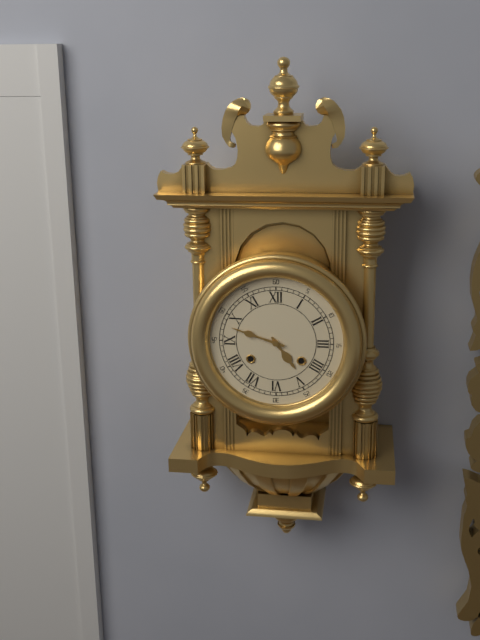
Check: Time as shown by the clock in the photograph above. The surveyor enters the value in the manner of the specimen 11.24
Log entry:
4.48
